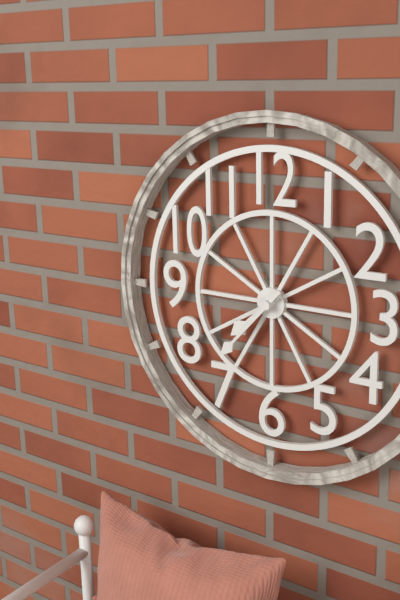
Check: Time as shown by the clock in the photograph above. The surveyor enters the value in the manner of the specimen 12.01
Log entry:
7.37
